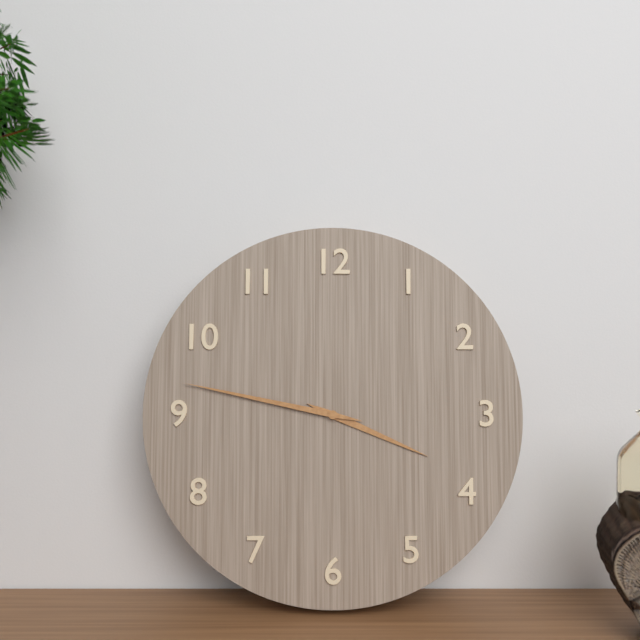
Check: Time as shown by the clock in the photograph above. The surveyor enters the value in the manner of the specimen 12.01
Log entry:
3.47
